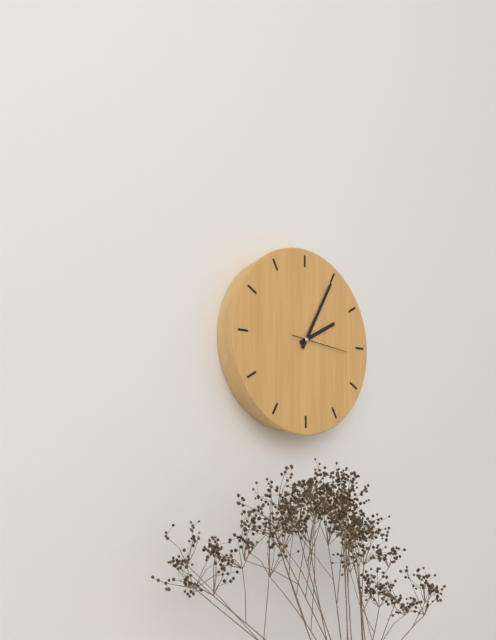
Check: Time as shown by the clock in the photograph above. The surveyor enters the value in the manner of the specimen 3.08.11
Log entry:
2.05.16
